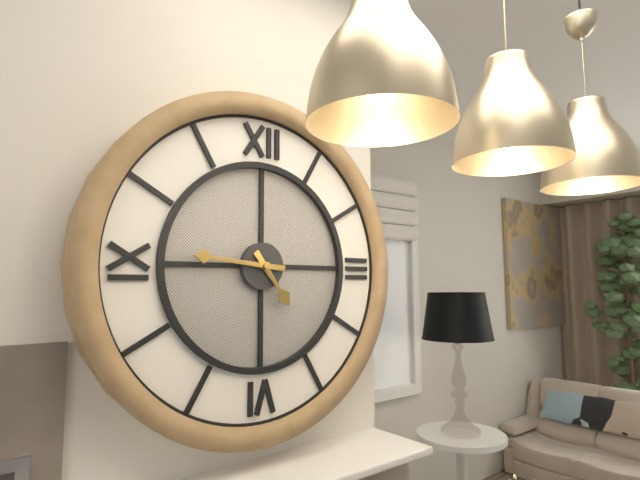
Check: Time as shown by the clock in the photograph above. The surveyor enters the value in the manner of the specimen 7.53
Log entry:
4.46
